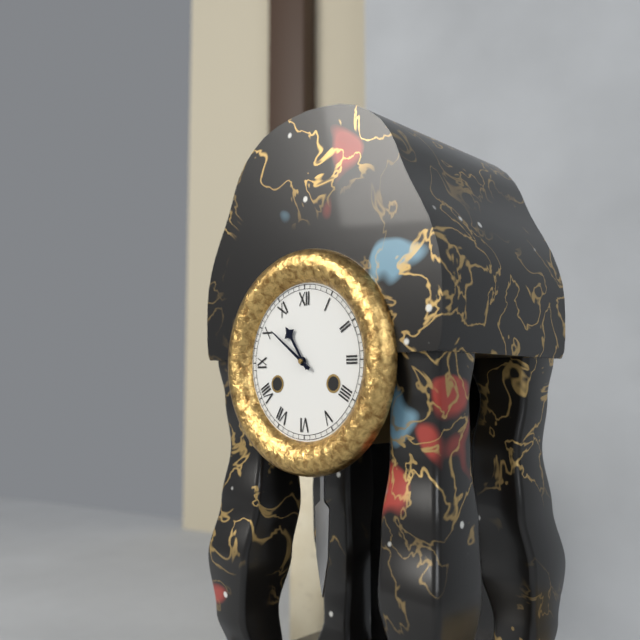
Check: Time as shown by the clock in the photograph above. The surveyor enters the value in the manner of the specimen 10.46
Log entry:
10.51
